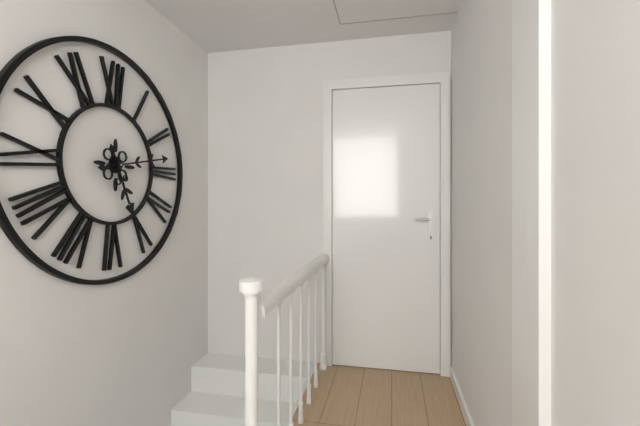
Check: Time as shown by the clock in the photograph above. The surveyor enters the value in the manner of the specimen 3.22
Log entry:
5.13
